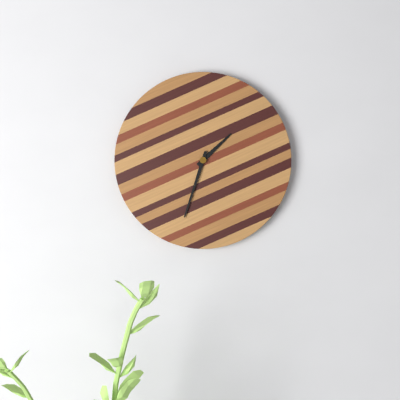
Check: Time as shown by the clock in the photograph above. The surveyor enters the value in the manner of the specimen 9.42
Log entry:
1.33
